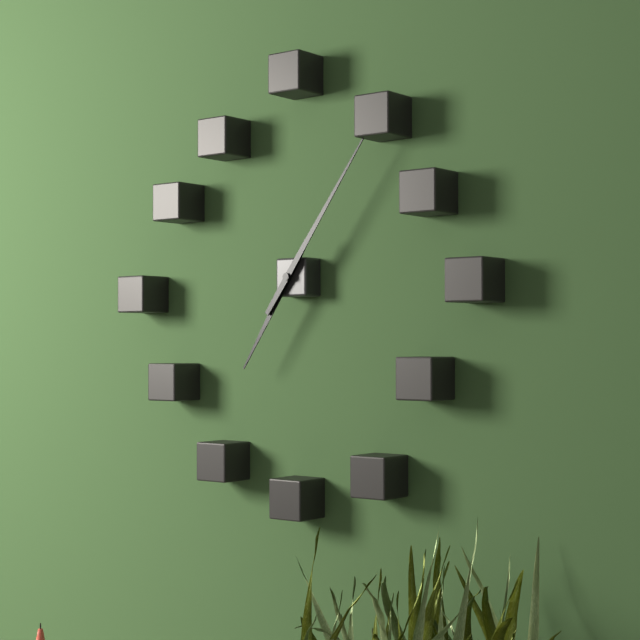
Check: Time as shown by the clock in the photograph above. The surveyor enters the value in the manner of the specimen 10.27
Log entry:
7.06
